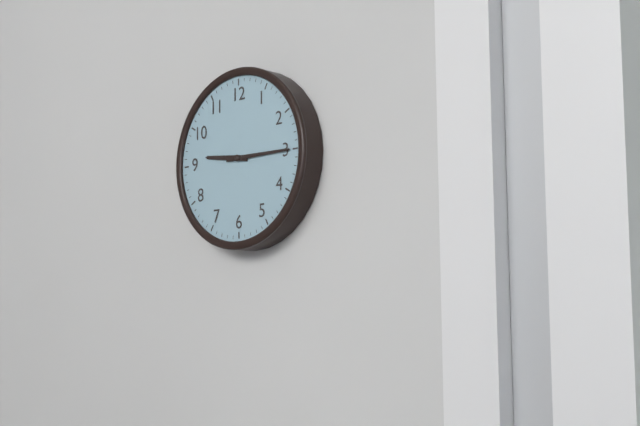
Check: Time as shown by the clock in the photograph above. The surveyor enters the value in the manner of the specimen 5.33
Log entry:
9.15
